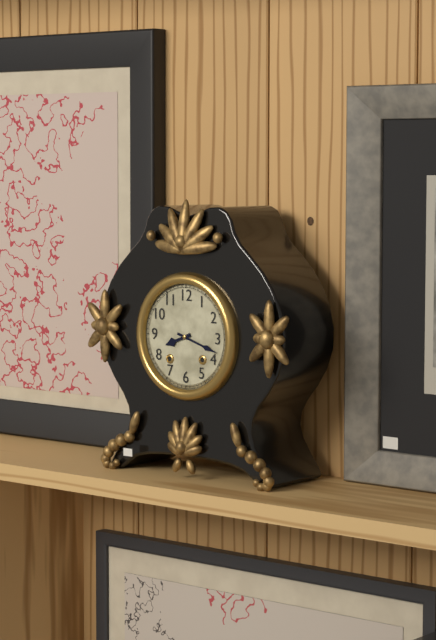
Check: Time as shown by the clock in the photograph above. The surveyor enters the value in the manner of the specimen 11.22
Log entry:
8.18
